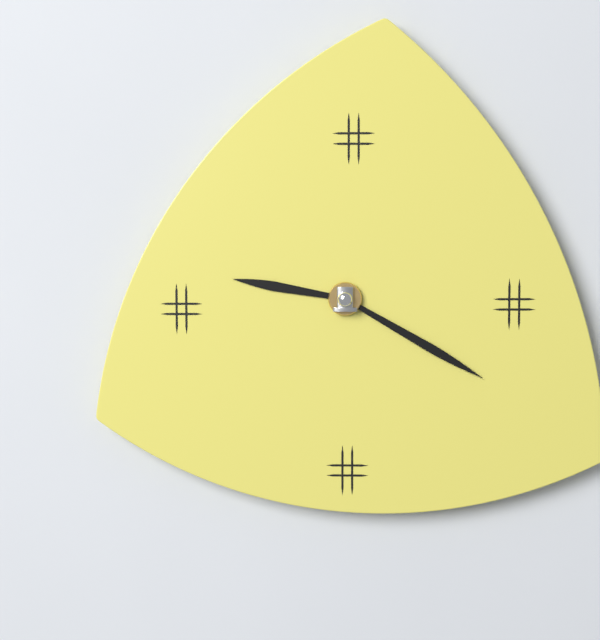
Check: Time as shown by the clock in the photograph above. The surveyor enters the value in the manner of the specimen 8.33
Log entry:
9.20
